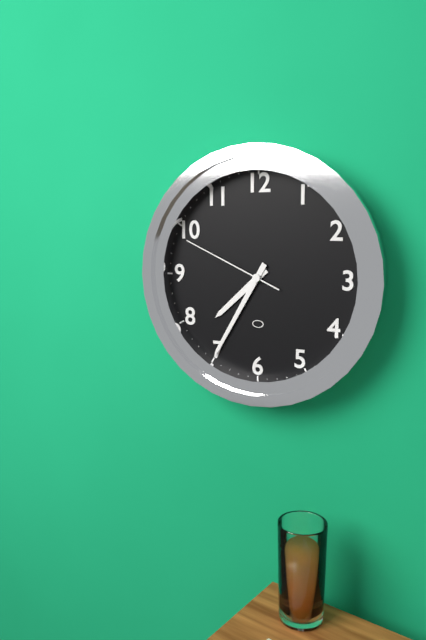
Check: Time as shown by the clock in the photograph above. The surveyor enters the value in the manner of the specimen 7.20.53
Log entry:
7.35.49
